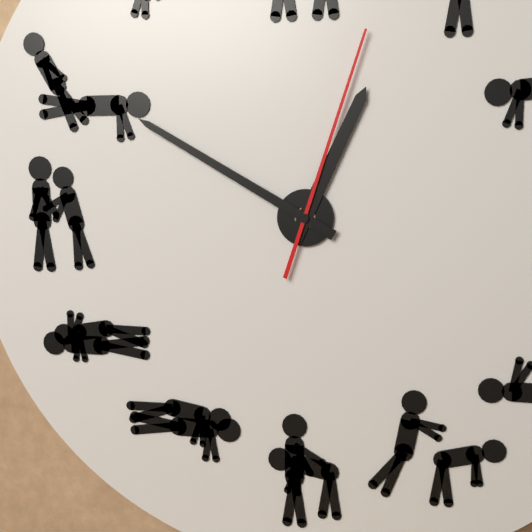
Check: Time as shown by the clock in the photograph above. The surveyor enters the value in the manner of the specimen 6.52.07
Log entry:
12.50.03
